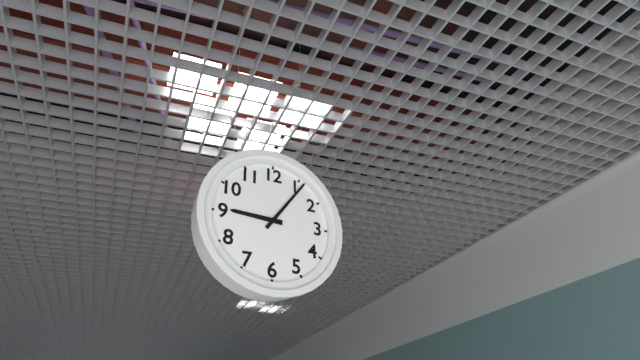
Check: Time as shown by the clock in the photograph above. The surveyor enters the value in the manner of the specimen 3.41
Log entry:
9.06
